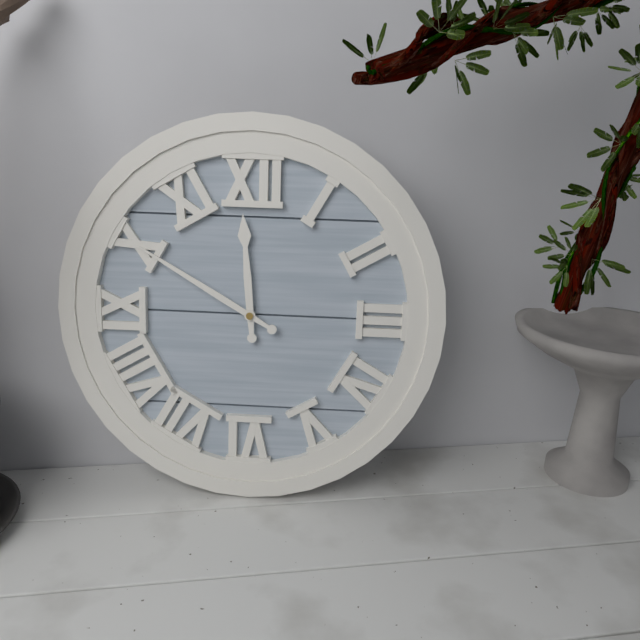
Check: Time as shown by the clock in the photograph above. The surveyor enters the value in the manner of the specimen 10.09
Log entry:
11.50
